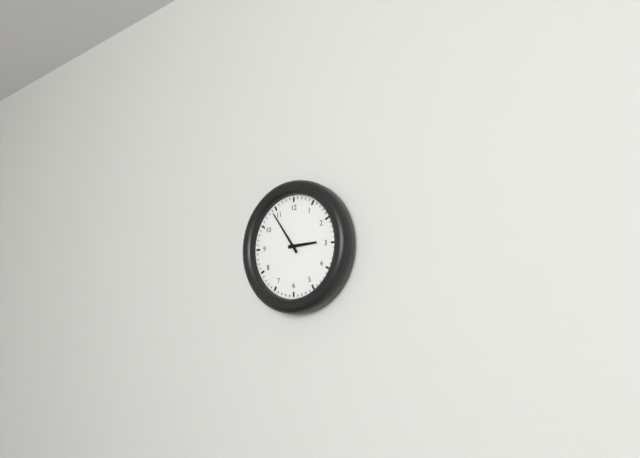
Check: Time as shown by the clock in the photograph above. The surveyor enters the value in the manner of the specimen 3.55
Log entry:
2.54
